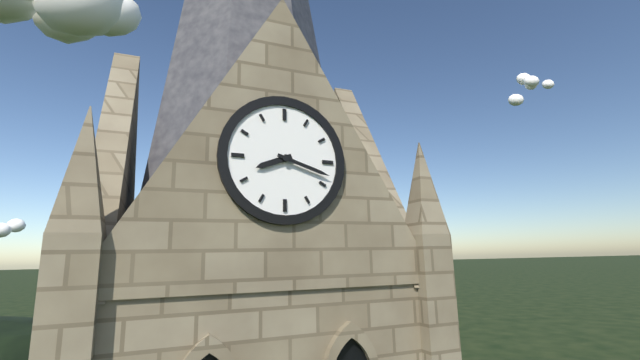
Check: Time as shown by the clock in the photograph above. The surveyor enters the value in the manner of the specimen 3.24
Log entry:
8.18
